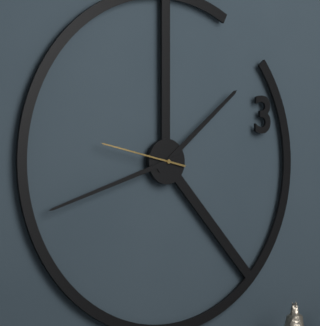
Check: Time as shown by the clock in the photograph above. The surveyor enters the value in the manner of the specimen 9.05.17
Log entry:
1.42.47
